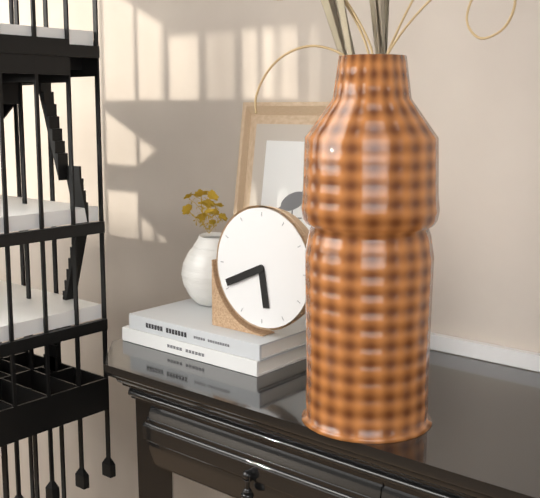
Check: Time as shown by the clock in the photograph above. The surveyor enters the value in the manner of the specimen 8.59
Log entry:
5.41
